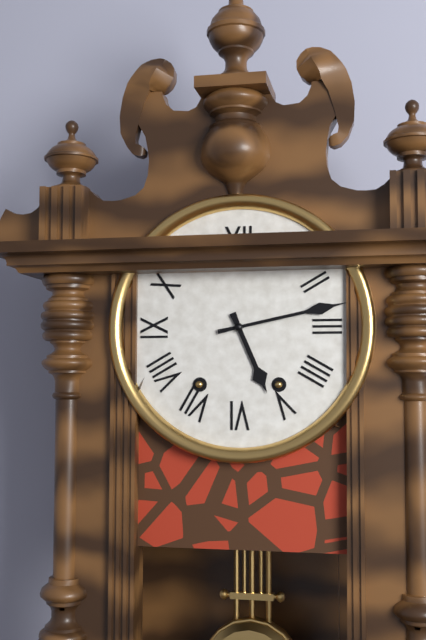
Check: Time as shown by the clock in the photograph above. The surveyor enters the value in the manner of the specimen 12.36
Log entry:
5.13
